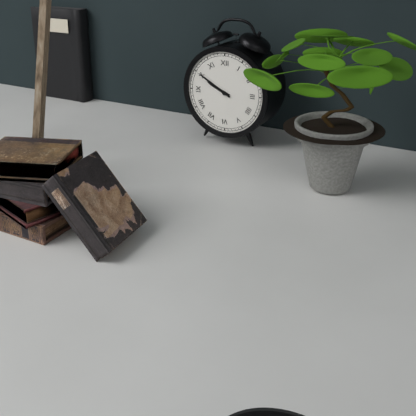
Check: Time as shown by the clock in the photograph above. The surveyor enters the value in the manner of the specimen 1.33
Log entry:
9.50
